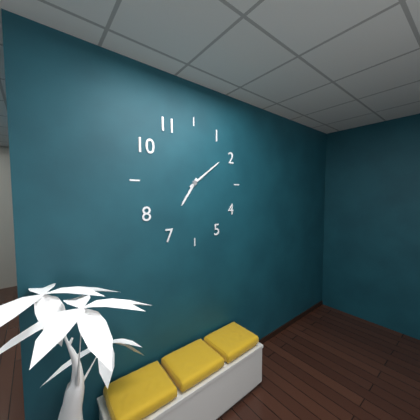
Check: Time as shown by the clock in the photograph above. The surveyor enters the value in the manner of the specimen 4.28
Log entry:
7.09
